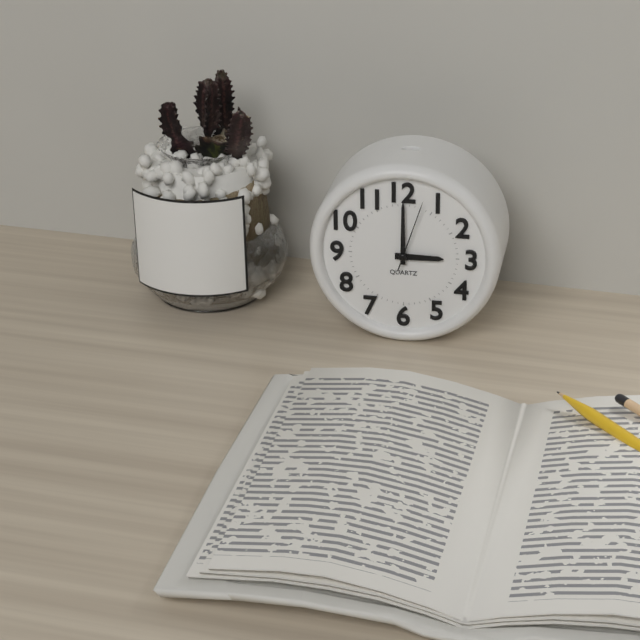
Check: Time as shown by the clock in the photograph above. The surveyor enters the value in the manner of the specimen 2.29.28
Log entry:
3.00.03
